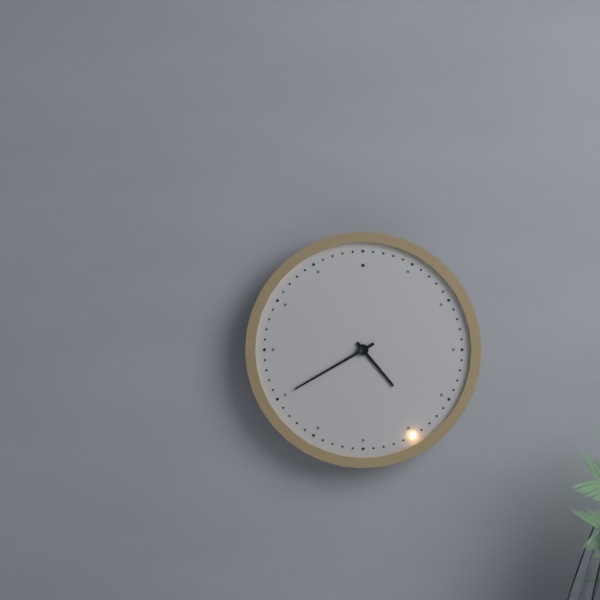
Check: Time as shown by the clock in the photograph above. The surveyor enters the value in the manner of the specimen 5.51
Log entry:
4.40
